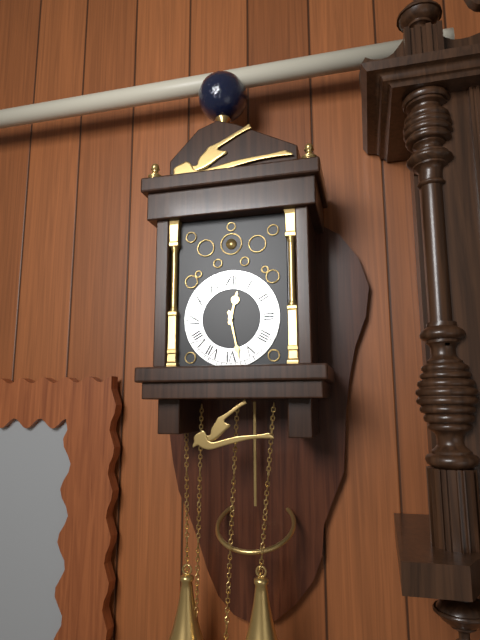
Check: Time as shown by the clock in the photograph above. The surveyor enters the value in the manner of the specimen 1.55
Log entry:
12.28
